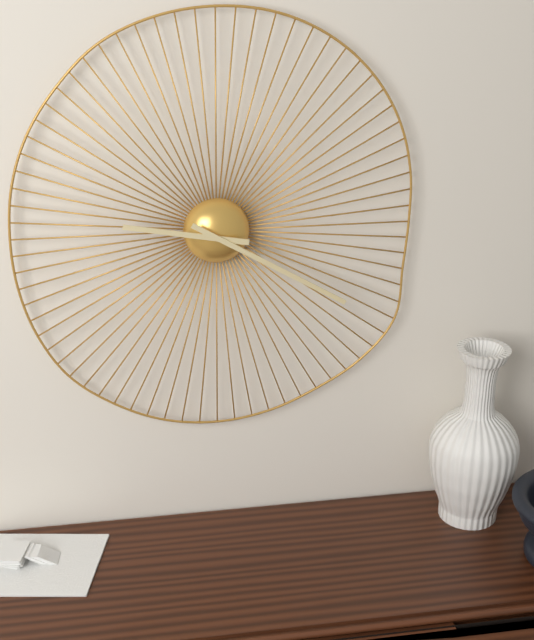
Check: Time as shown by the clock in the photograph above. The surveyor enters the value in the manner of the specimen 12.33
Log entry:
9.20
